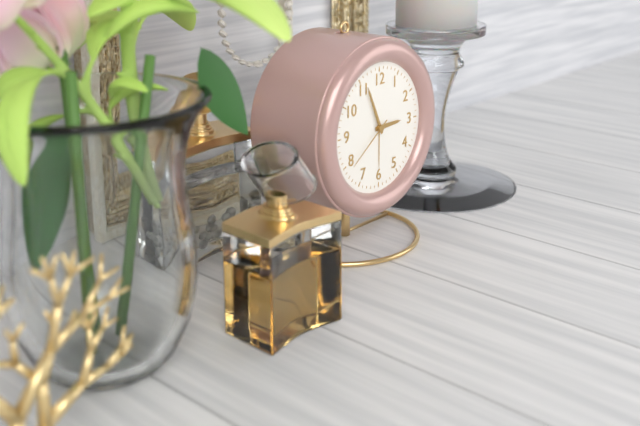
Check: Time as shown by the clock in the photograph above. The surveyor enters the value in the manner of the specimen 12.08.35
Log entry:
2.56.39
